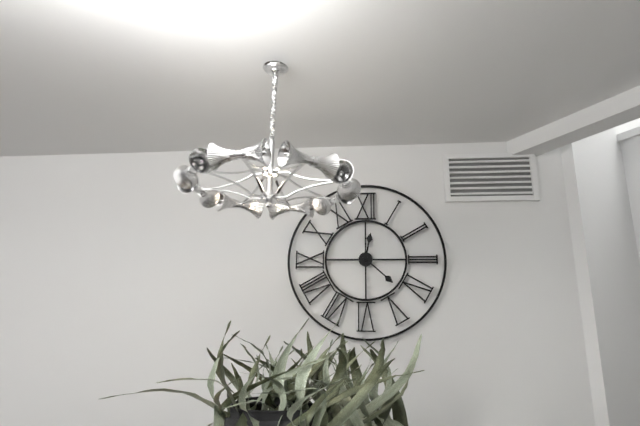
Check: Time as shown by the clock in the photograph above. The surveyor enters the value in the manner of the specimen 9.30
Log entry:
12.22
